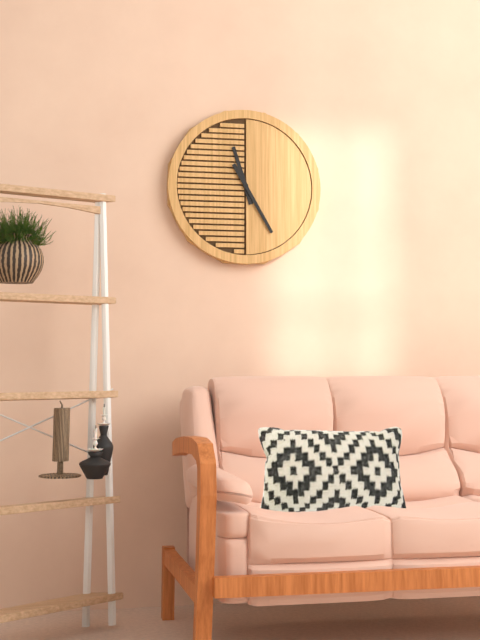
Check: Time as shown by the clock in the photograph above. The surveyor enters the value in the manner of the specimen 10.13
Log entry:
11.25
